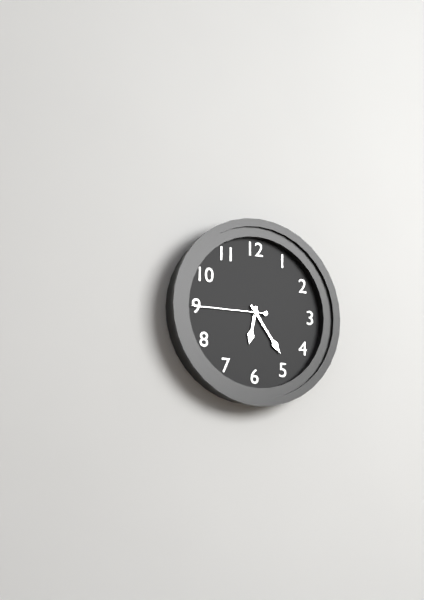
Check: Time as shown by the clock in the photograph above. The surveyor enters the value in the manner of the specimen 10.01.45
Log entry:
6.24.45
